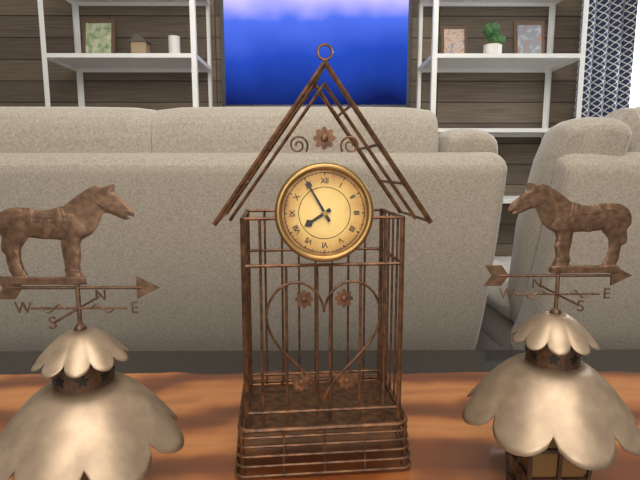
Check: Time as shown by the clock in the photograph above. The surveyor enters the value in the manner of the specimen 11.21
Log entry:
7.55
